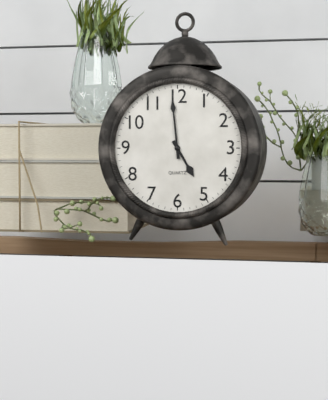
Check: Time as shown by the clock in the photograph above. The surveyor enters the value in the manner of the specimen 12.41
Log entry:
4.59
